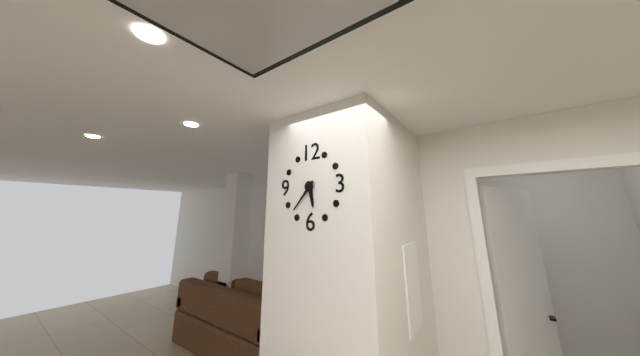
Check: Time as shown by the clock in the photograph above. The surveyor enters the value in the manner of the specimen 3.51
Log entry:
5.37
